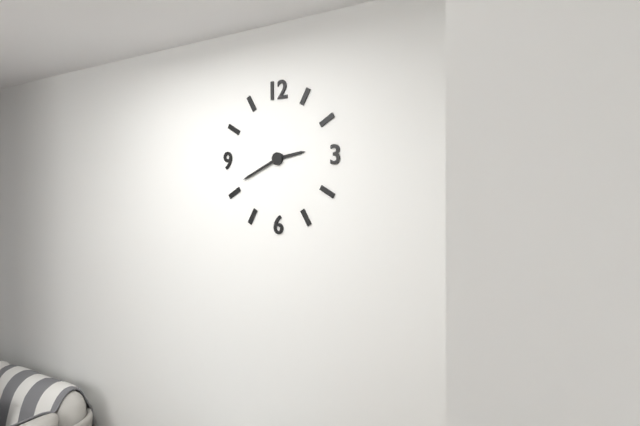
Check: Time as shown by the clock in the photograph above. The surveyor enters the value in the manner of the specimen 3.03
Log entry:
2.41
